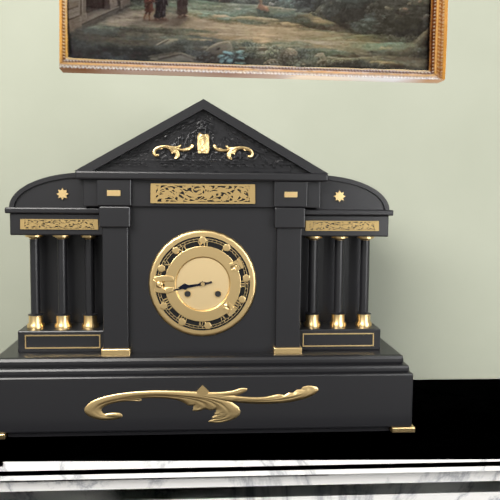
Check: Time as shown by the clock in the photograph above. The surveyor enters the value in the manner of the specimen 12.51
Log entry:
8.43
